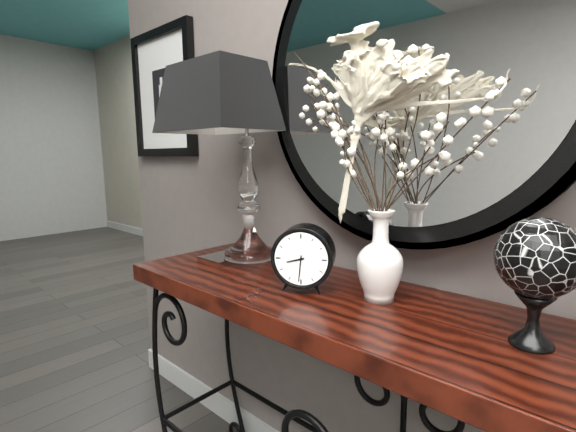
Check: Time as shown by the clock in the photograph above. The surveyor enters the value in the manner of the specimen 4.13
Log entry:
8.31
